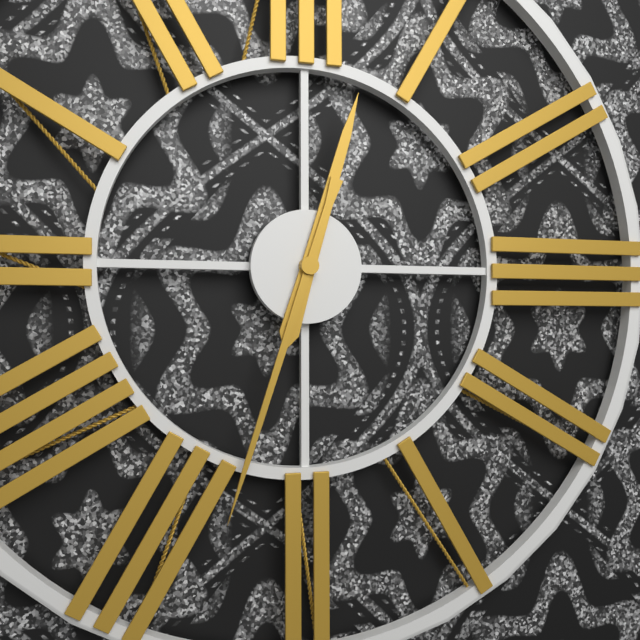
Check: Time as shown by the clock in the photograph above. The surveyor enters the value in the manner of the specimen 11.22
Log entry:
12.33
